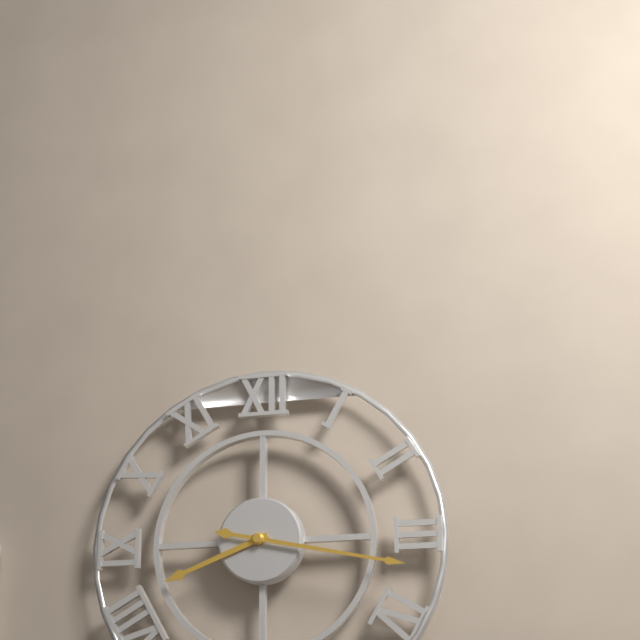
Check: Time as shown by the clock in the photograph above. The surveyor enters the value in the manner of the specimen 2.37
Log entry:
8.17
